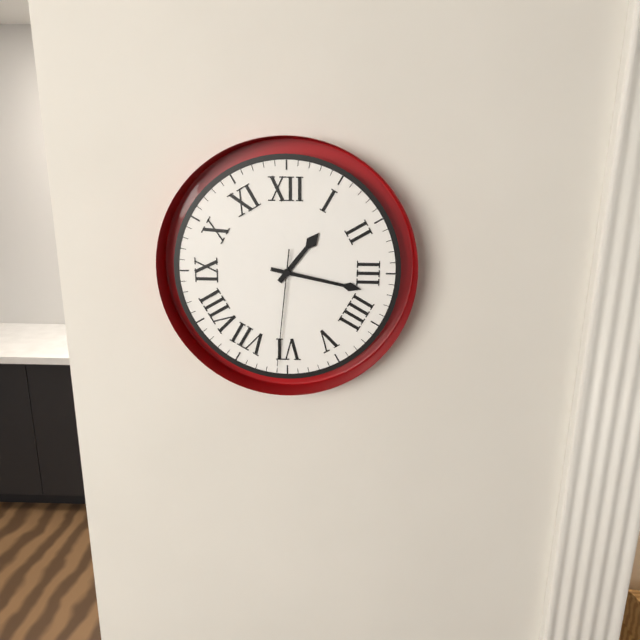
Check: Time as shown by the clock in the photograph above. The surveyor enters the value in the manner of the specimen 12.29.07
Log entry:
1.17.31
